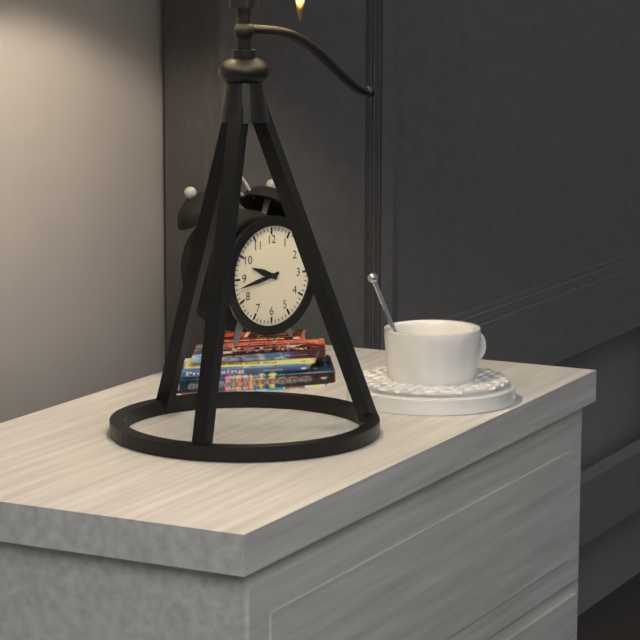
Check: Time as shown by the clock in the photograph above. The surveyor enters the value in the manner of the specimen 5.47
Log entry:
9.43
